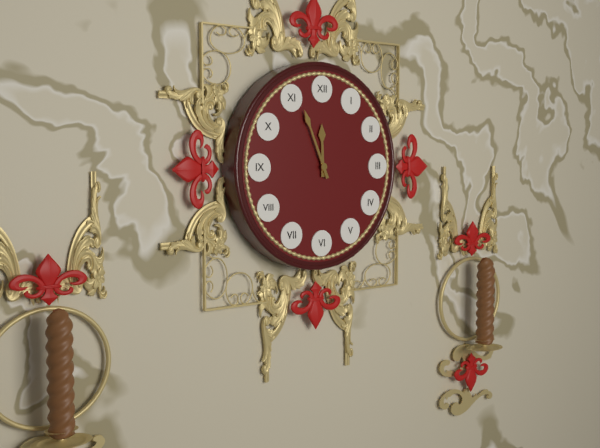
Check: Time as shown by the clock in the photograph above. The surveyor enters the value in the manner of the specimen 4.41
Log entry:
11.56
